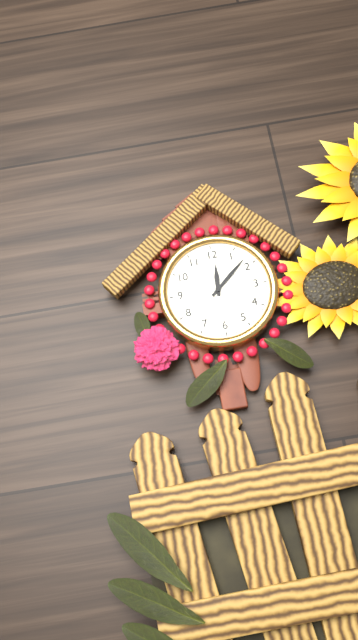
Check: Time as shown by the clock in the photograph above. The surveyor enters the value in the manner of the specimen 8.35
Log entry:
12.08
